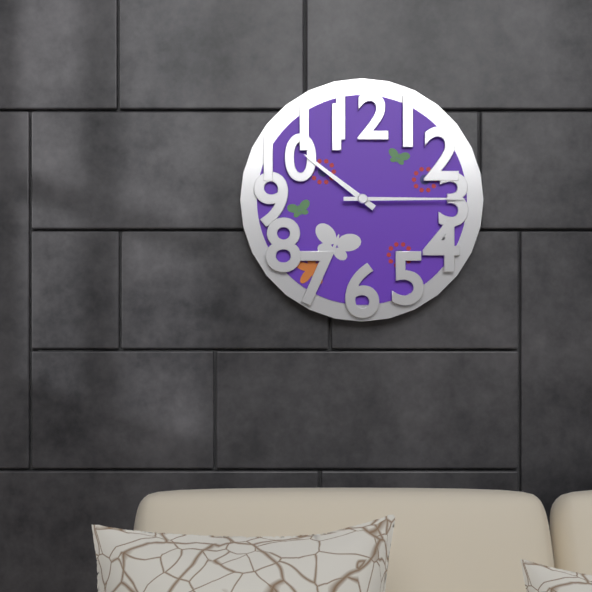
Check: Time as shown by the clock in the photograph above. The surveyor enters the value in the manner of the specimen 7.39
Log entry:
10.15
